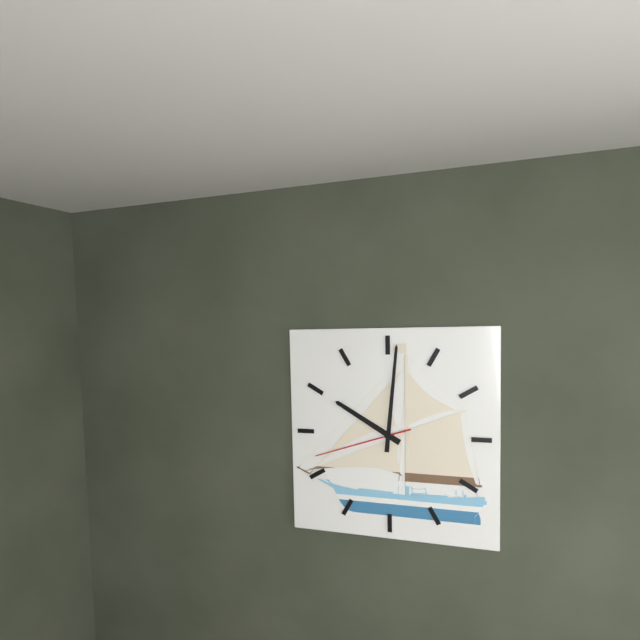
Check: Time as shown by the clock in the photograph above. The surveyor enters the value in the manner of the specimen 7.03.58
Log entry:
10.01.42
